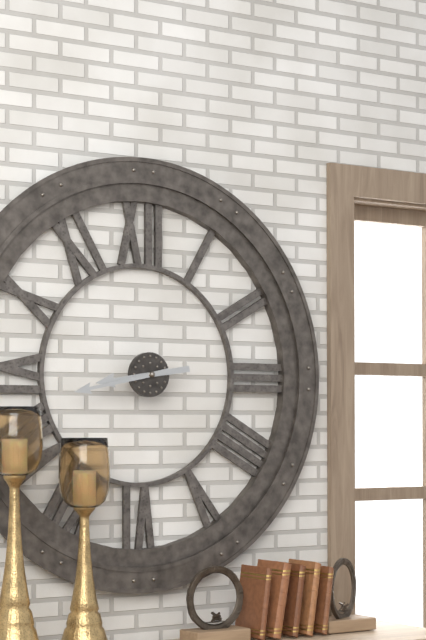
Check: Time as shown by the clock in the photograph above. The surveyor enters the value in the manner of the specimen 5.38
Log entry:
8.43
